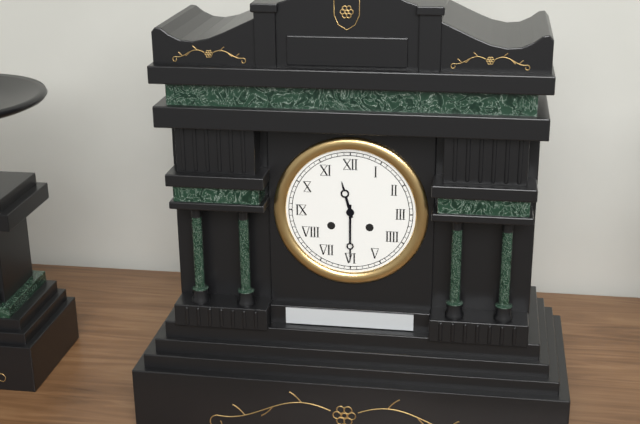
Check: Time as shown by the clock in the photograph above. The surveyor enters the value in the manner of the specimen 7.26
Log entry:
11.30
